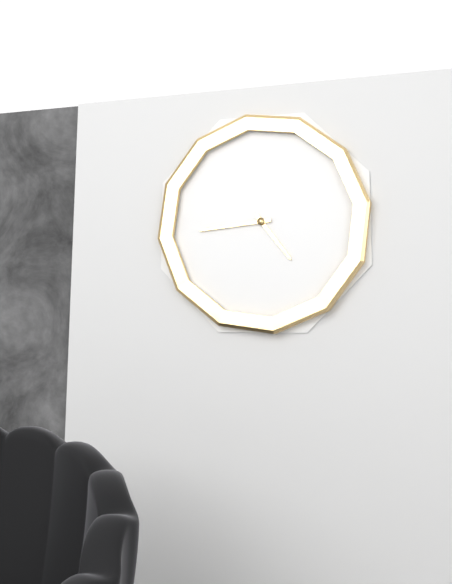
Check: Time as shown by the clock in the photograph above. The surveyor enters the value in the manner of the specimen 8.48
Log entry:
4.44
